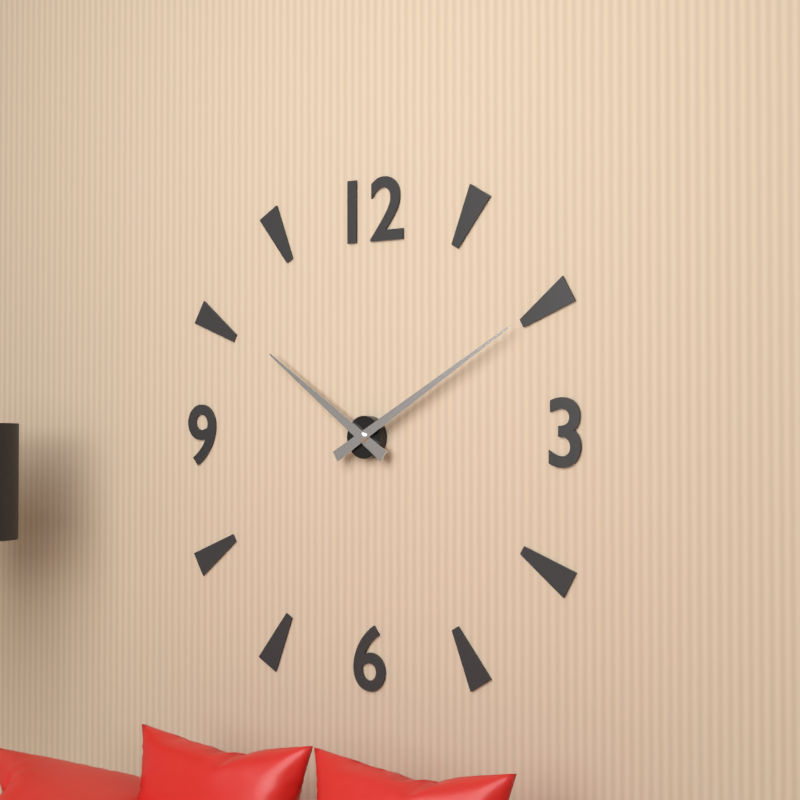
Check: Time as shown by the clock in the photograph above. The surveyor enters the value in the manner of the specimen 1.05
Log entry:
10.10
